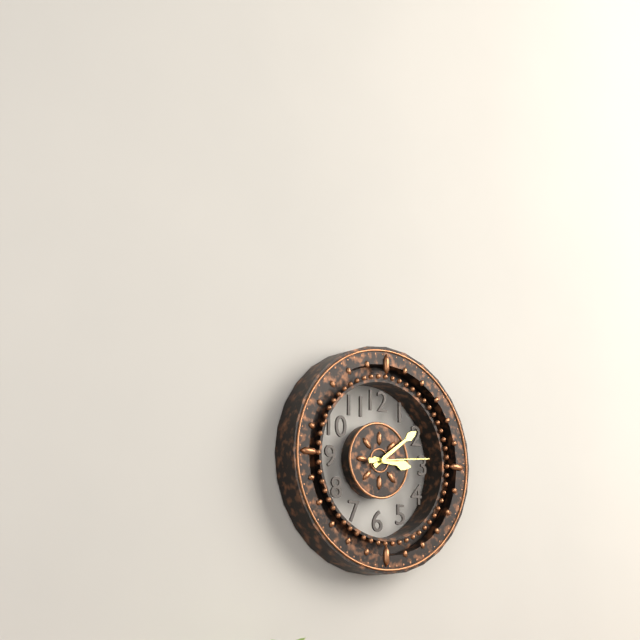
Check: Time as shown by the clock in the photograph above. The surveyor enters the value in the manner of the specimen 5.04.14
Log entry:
3.09.14
